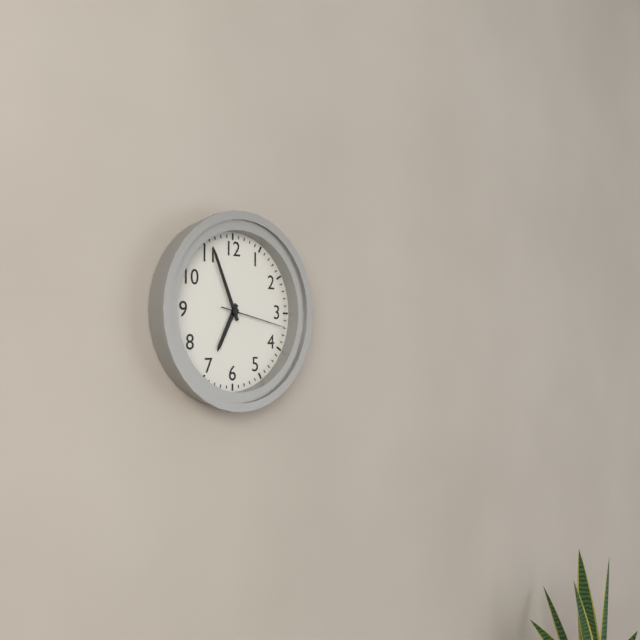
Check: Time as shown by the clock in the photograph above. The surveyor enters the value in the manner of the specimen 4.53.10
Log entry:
6.56.17
